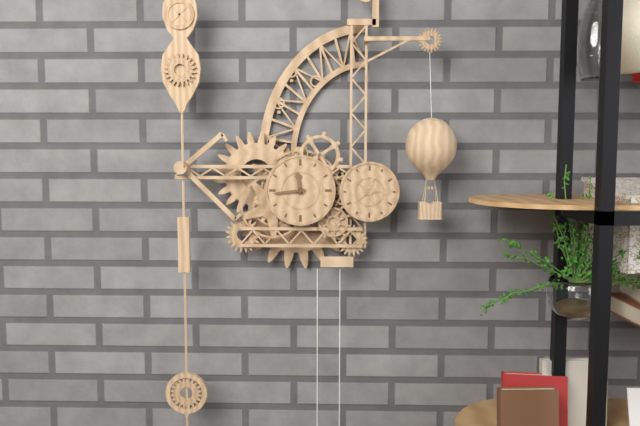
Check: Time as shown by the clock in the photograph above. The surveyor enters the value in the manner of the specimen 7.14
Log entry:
11.44
